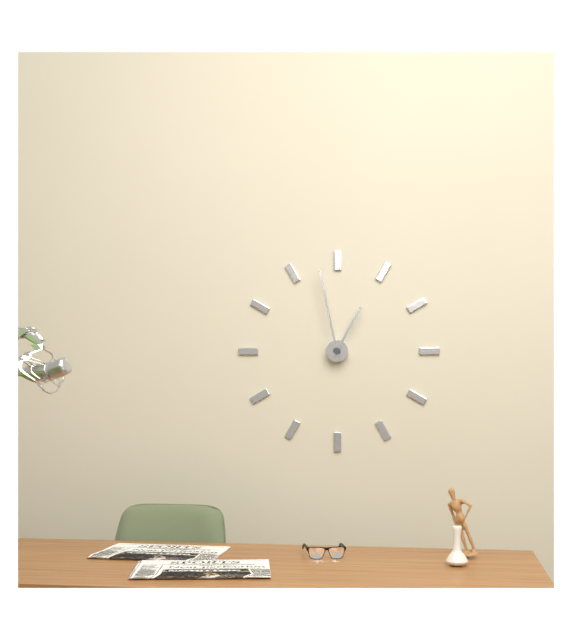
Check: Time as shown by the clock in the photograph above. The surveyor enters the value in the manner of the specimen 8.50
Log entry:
12.58
